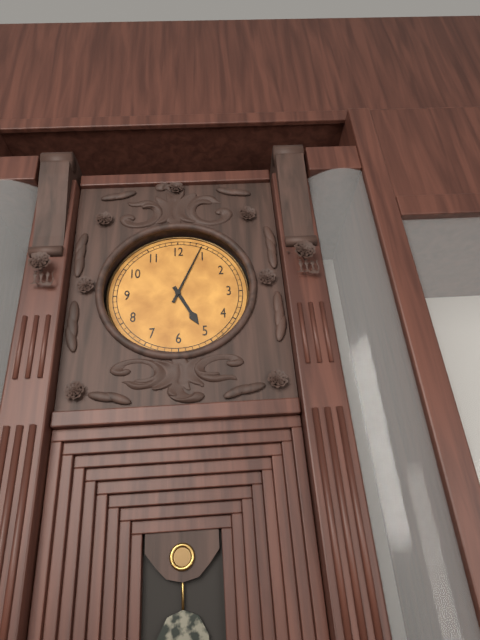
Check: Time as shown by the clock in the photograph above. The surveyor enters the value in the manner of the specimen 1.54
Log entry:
5.04
